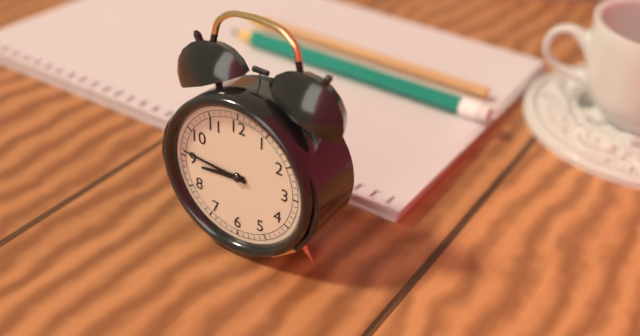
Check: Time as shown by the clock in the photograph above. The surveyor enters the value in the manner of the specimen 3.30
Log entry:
8.46
